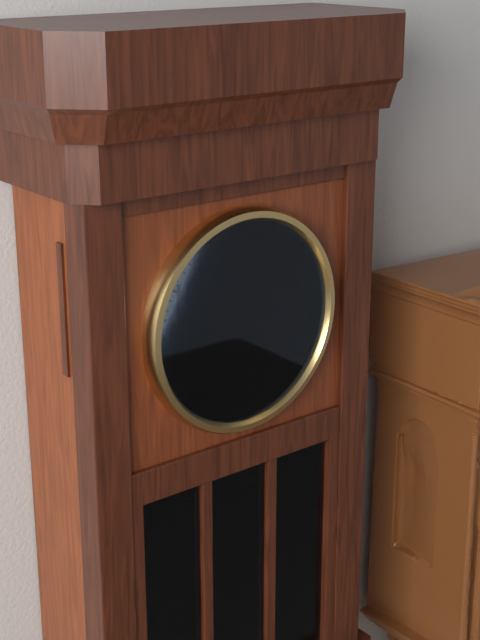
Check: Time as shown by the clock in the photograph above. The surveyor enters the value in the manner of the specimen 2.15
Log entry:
9.45
